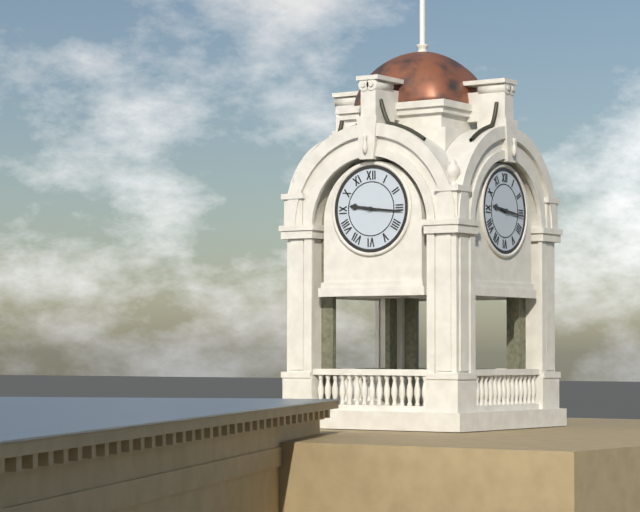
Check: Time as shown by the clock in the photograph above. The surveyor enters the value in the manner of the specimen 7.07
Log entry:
9.16
